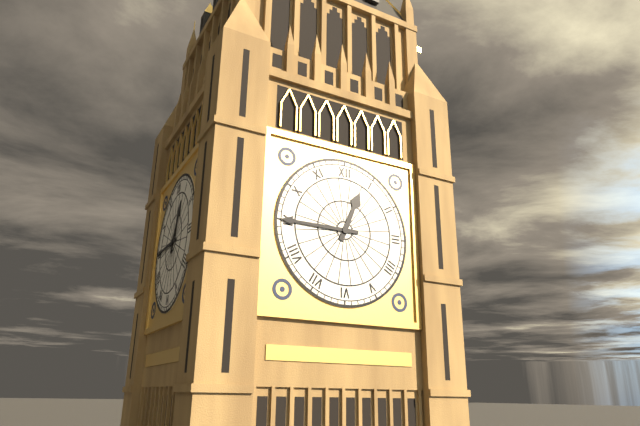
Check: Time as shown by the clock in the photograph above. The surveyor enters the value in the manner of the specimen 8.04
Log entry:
12.45
